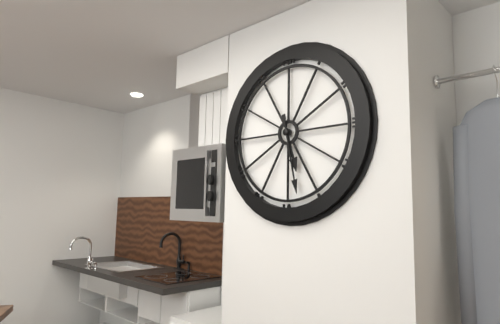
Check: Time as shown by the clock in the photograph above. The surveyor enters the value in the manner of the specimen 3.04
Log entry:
5.28
